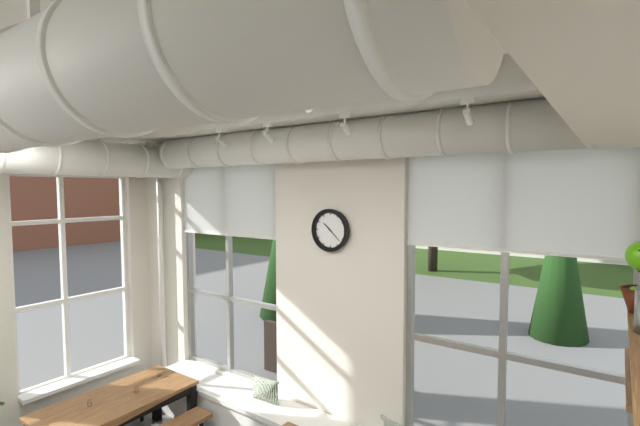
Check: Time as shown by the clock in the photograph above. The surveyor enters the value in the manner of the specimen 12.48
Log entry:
10.22
